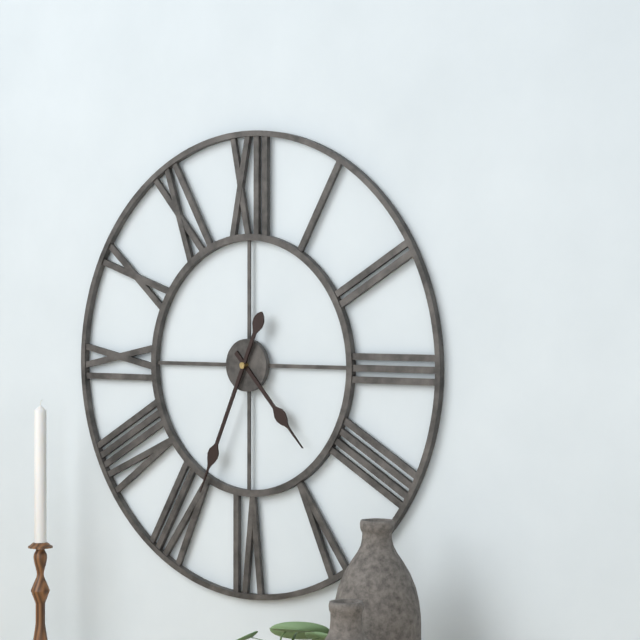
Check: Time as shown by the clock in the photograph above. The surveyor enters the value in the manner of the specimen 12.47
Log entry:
4.34
